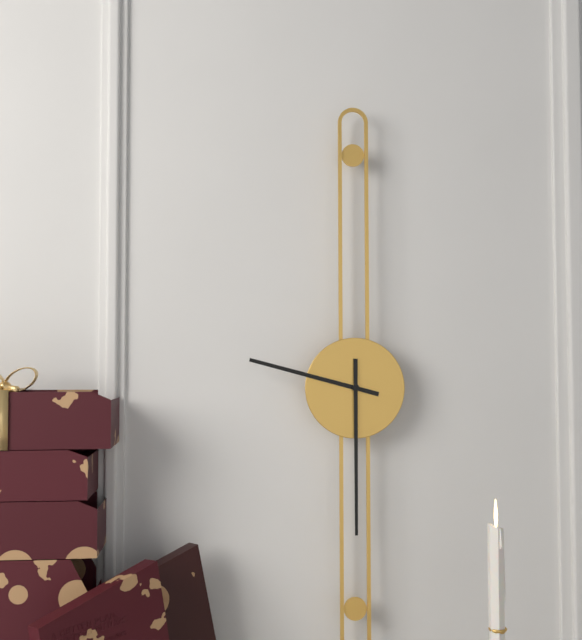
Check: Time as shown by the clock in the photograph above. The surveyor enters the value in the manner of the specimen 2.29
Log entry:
9.30
